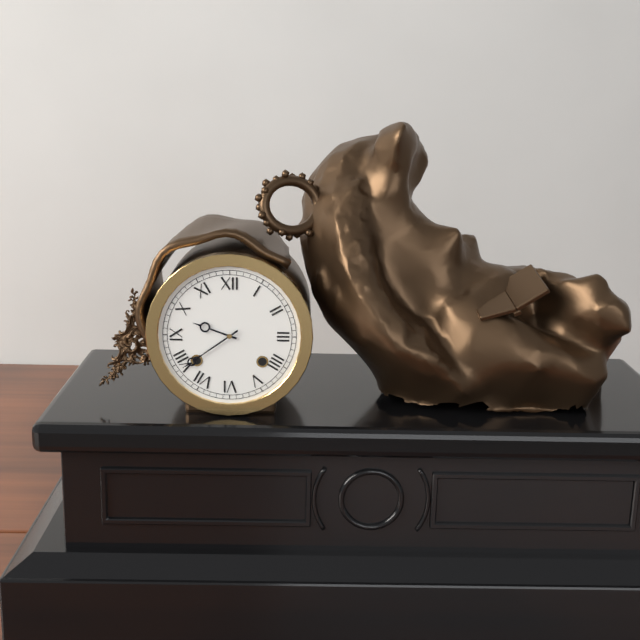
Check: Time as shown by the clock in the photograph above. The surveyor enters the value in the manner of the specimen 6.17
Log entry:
9.39
